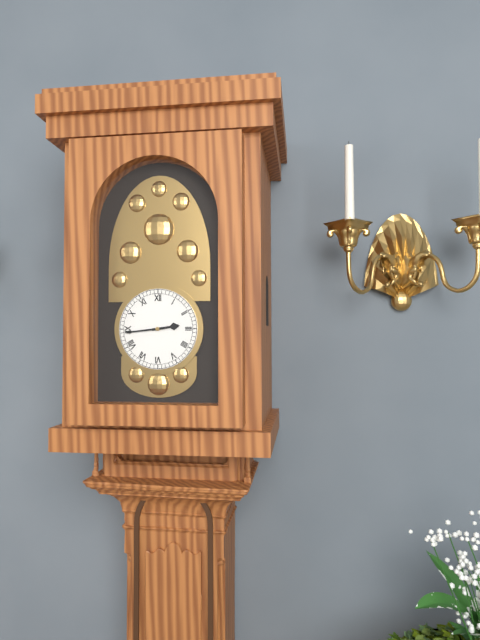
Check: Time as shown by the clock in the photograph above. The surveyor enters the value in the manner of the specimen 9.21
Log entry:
2.44
